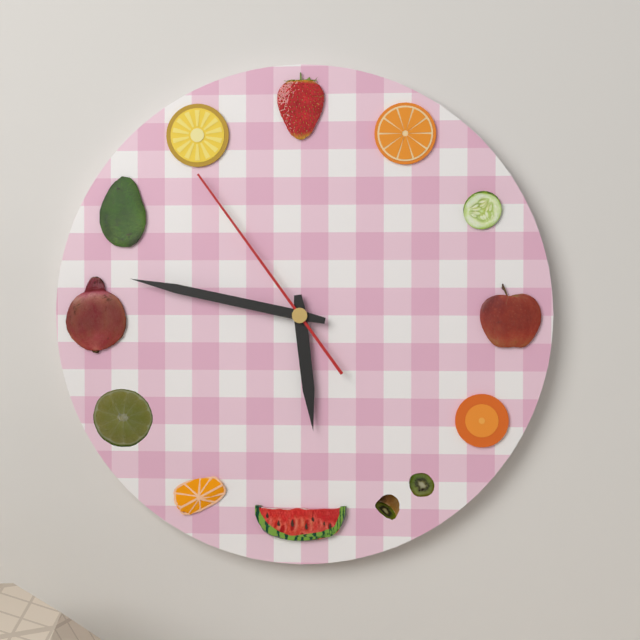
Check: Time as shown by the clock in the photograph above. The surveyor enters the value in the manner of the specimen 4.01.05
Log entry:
5.47.54
